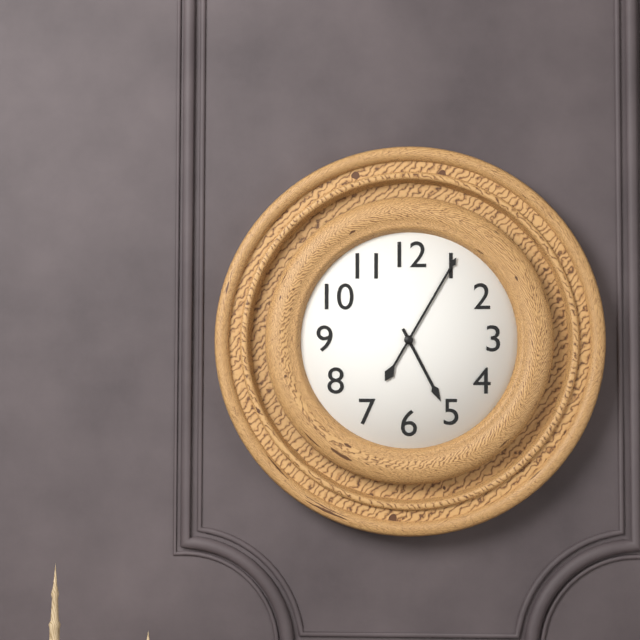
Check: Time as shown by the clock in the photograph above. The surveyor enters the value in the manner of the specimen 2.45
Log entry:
5.05
